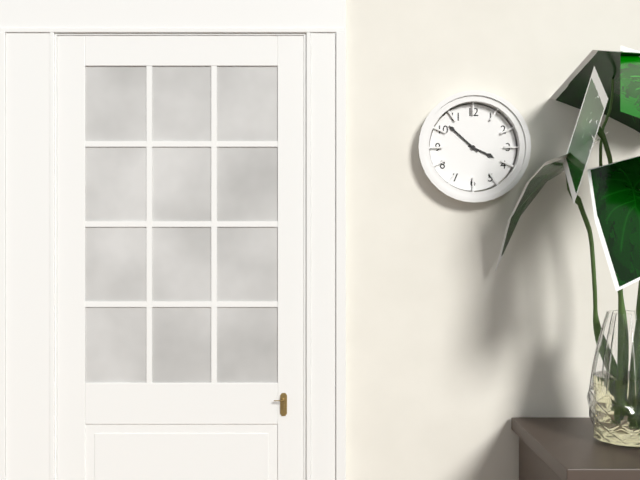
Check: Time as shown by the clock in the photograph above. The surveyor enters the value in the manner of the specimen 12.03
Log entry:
3.52
